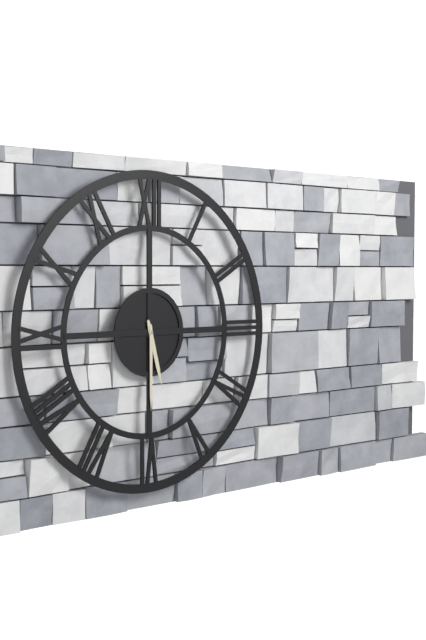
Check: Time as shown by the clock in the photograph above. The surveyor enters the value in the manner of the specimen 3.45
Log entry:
5.30
